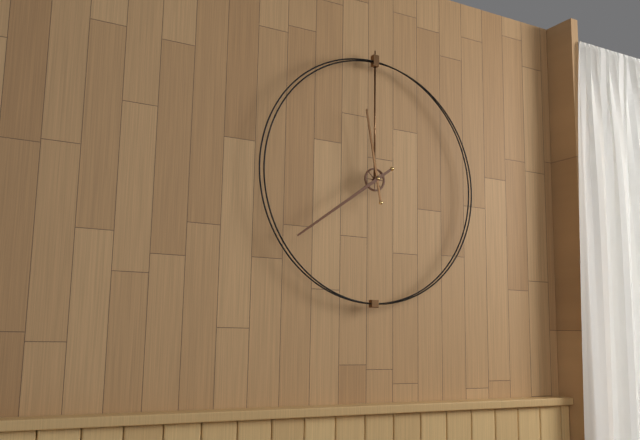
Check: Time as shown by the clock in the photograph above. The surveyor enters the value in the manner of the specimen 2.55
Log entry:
11.39
